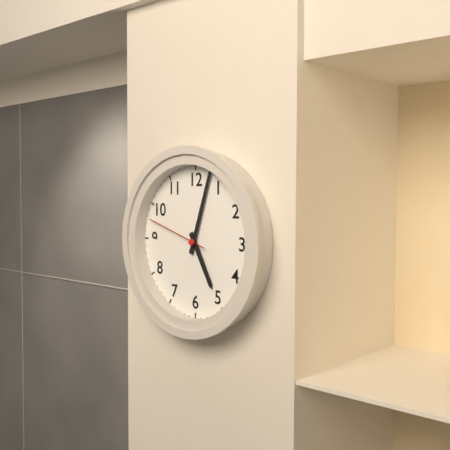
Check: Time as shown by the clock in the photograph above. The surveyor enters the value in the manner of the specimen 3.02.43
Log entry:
5.03.48
